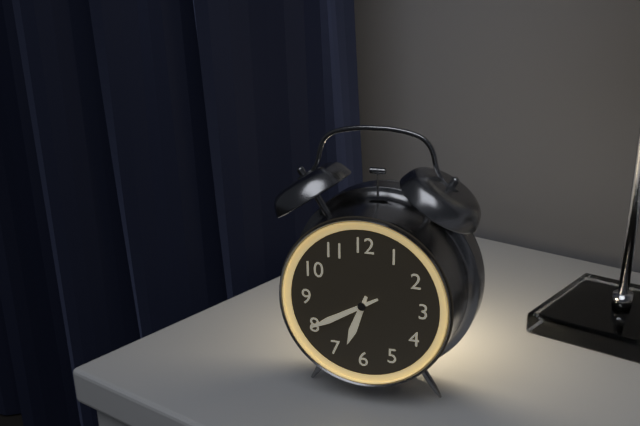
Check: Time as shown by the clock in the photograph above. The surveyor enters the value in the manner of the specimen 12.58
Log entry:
6.40
